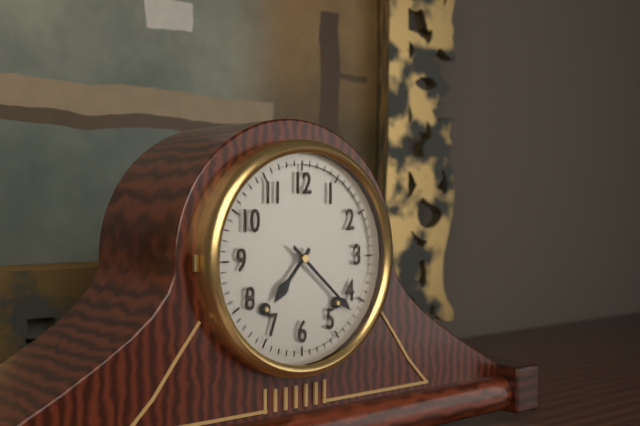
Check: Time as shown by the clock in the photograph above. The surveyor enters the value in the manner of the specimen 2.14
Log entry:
7.22
